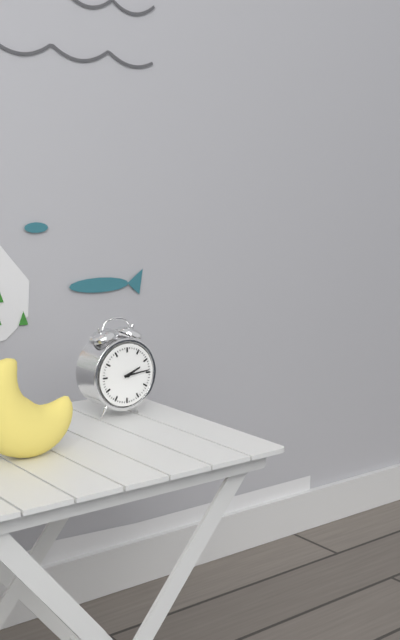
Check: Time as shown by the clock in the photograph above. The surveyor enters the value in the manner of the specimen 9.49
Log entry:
2.14
